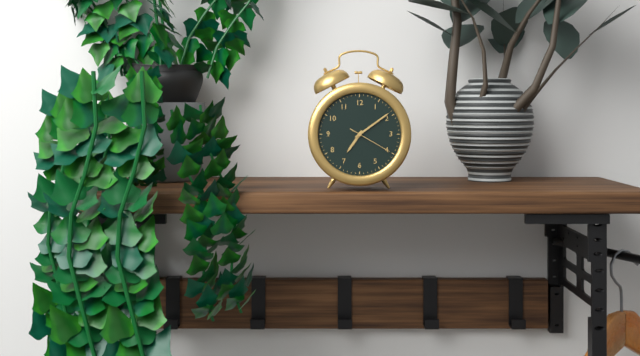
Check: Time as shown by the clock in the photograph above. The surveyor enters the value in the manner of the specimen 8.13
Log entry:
7.09
